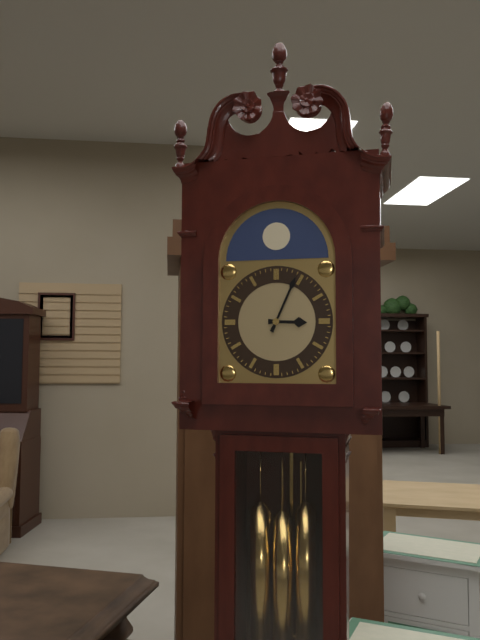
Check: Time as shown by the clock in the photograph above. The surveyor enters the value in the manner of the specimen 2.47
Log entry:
3.04
